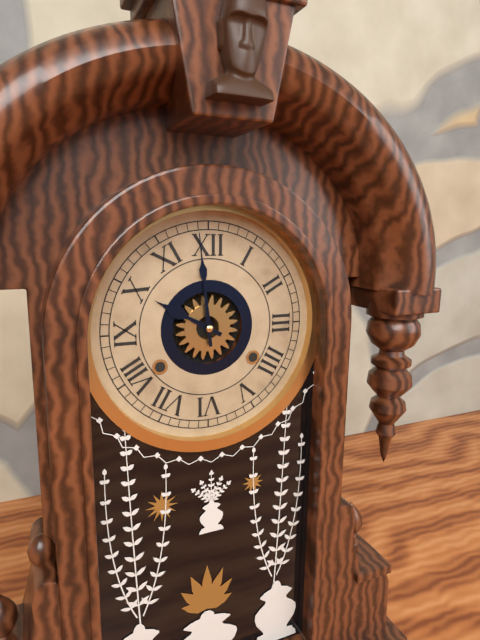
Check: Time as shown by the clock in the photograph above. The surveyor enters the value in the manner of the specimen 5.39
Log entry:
9.59
